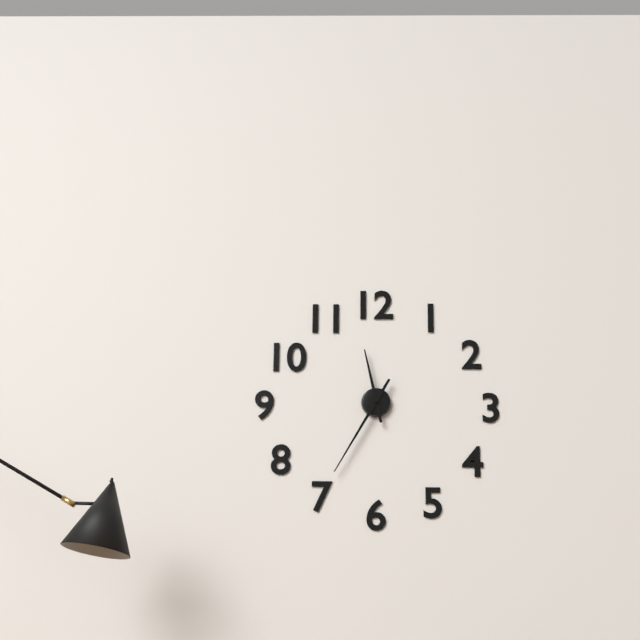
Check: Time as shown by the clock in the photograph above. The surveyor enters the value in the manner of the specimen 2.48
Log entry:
11.35
